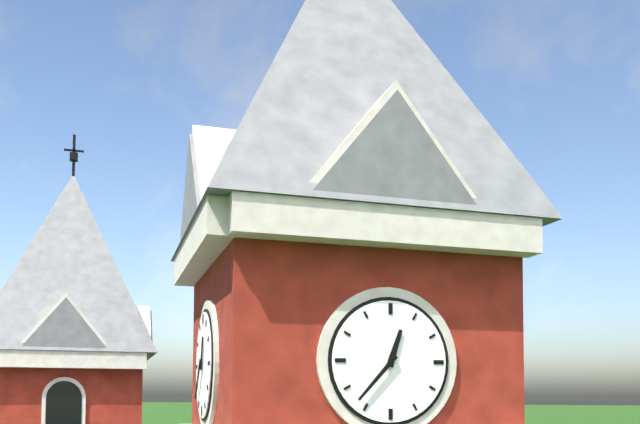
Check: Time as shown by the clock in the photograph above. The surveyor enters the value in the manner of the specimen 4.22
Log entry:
12.37
